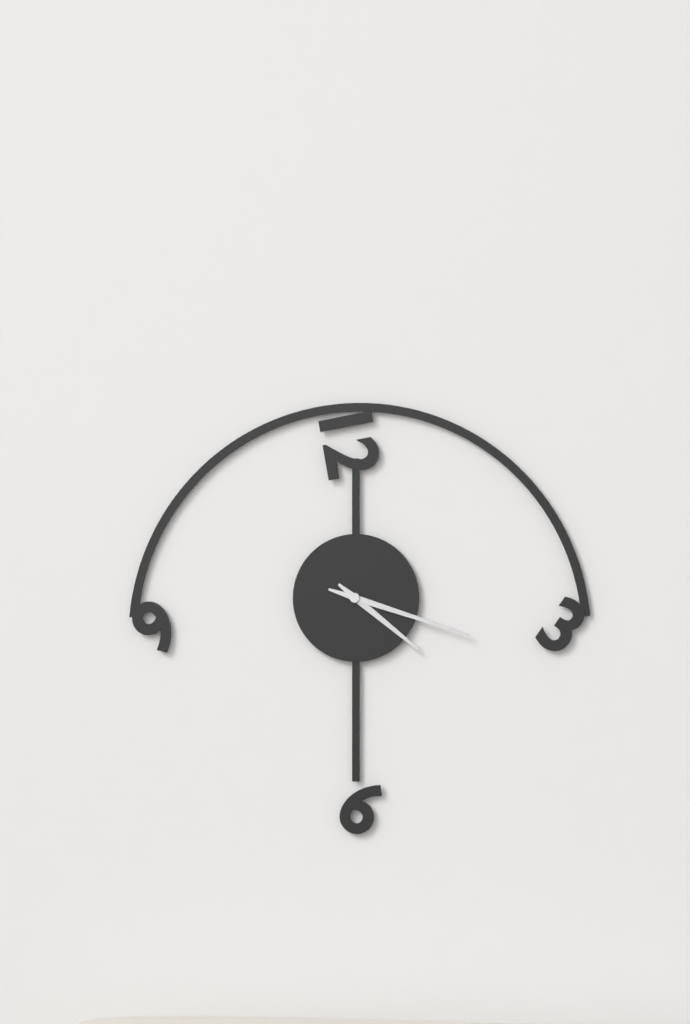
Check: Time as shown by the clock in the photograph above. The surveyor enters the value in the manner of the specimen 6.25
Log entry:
4.18
